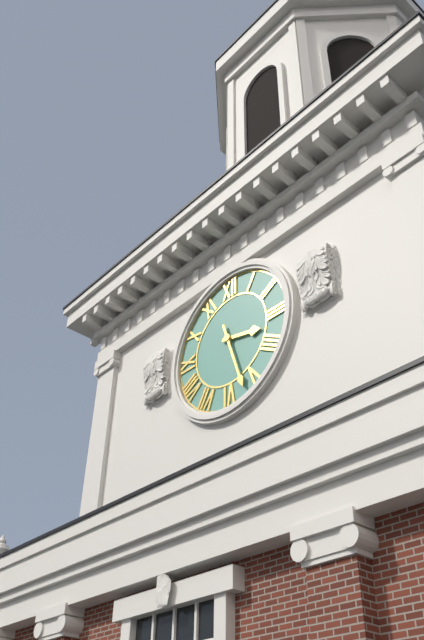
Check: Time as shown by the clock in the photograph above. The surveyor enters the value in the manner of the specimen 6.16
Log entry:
3.27
